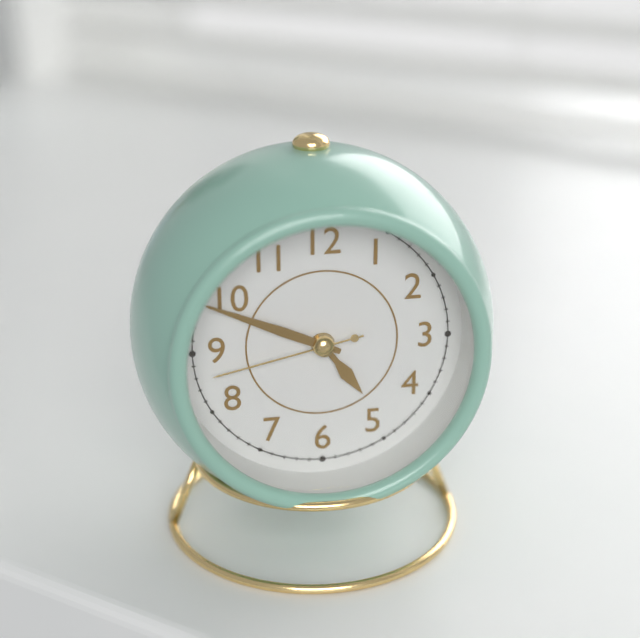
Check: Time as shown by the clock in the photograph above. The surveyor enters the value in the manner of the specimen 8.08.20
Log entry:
4.49.43
